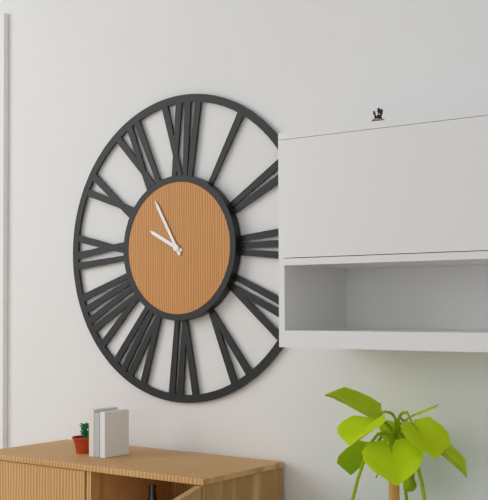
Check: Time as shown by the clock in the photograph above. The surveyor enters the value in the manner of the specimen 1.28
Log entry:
9.55
